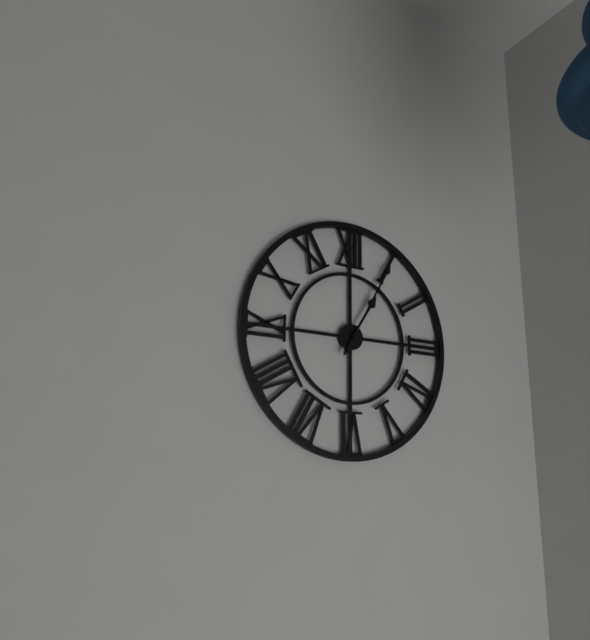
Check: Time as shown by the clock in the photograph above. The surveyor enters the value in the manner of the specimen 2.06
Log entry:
1.05
